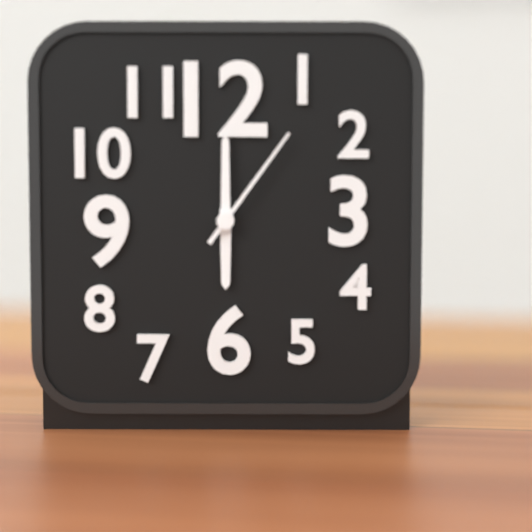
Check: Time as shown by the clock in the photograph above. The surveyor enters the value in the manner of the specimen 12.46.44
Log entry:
6.00.06
